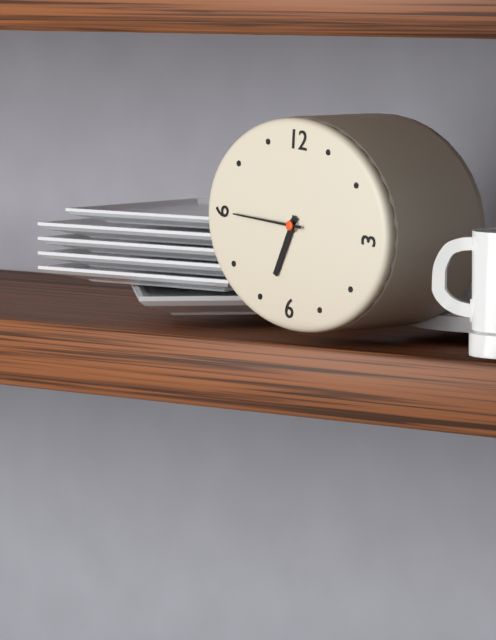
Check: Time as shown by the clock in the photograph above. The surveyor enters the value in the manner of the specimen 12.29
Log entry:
6.45
